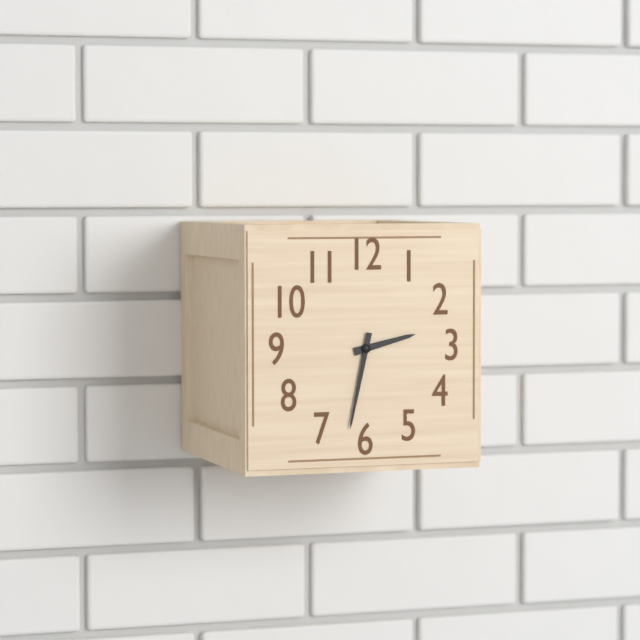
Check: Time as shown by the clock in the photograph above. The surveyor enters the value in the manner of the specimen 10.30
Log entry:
2.32
